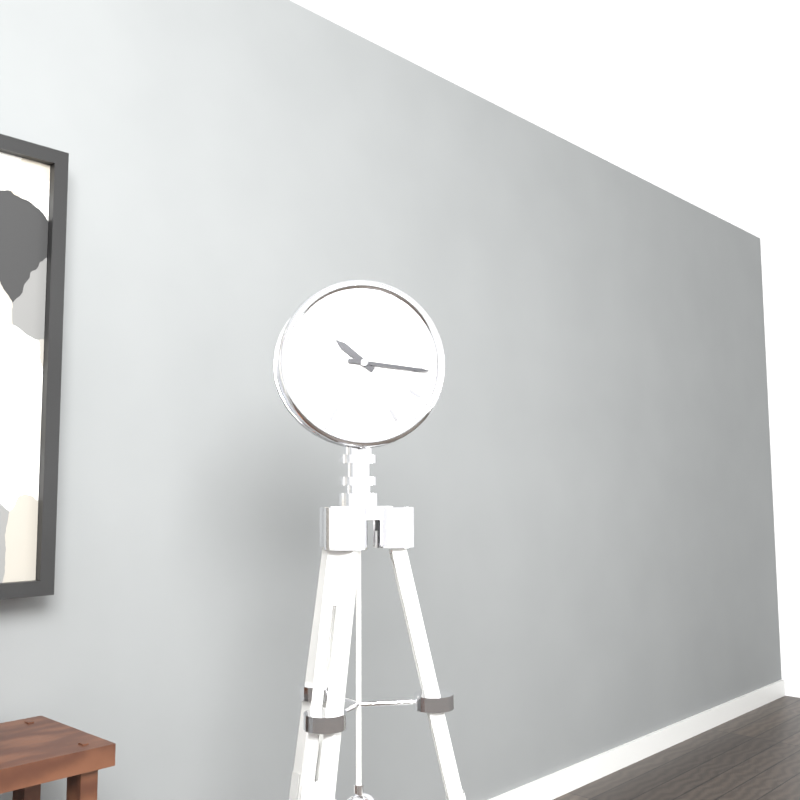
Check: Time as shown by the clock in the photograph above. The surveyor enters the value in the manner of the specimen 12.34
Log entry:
10.16
